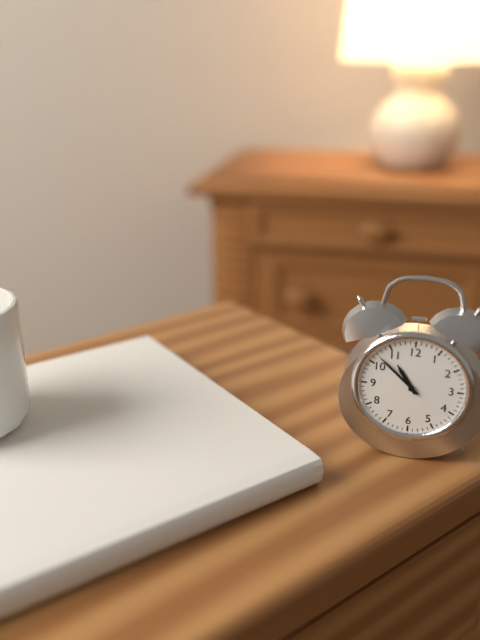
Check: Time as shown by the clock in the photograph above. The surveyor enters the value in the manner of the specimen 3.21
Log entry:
10.52
